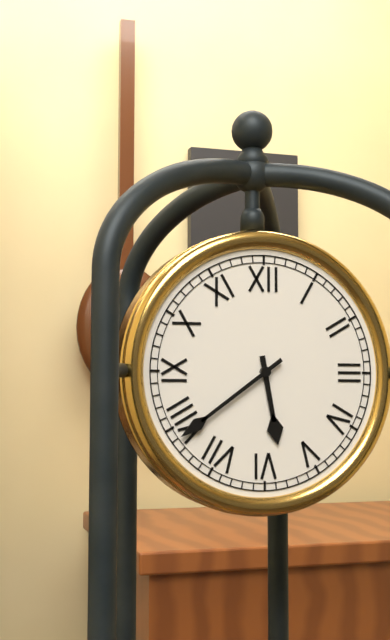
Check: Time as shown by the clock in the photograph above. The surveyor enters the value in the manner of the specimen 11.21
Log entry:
5.39
